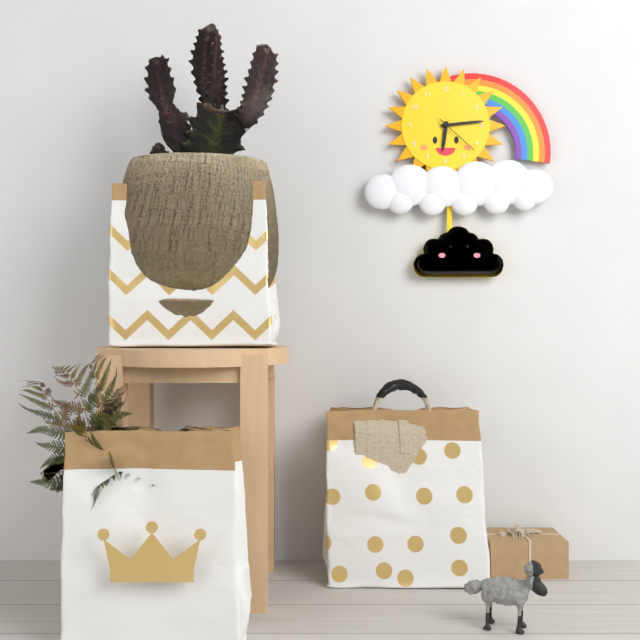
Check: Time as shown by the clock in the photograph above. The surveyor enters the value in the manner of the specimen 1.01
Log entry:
6.14
